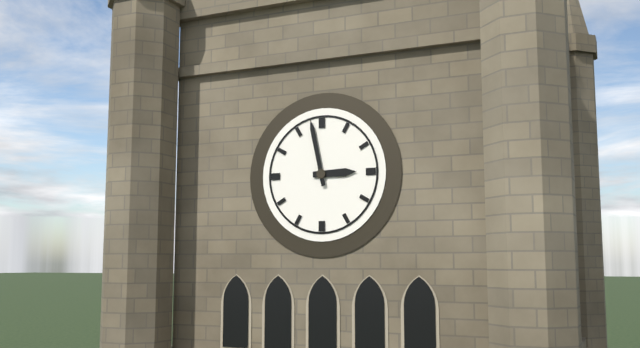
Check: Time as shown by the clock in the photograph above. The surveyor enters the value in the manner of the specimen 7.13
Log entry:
2.58
